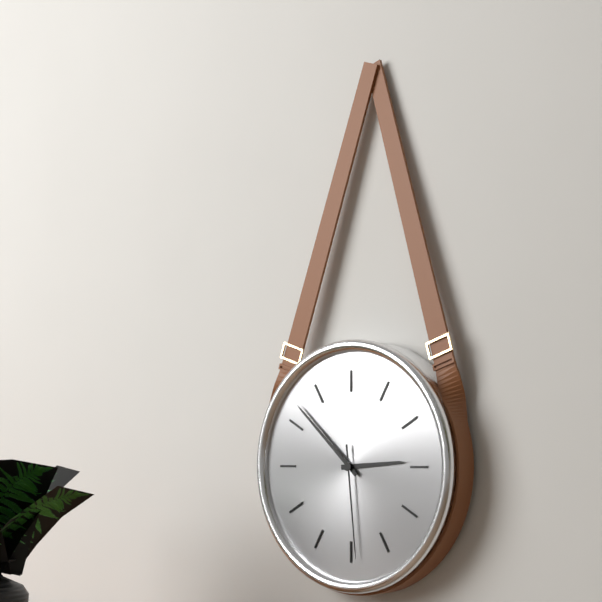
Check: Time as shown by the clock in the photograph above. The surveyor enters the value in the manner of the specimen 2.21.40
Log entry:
2.52.29
